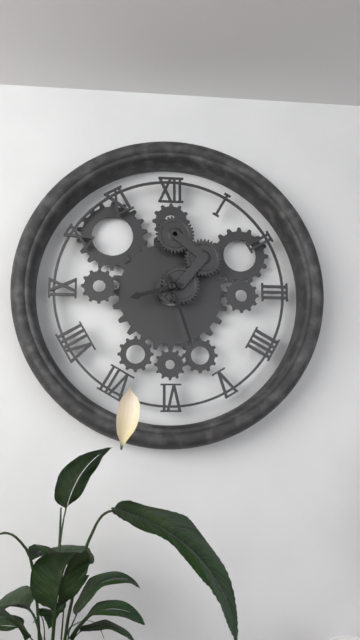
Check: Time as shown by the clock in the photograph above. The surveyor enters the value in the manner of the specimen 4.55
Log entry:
8.27
